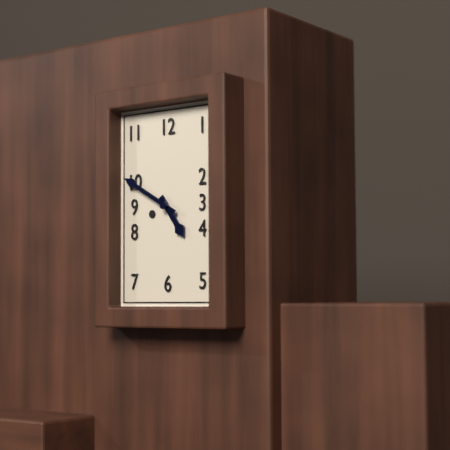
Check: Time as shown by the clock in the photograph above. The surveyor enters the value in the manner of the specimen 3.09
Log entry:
4.50
